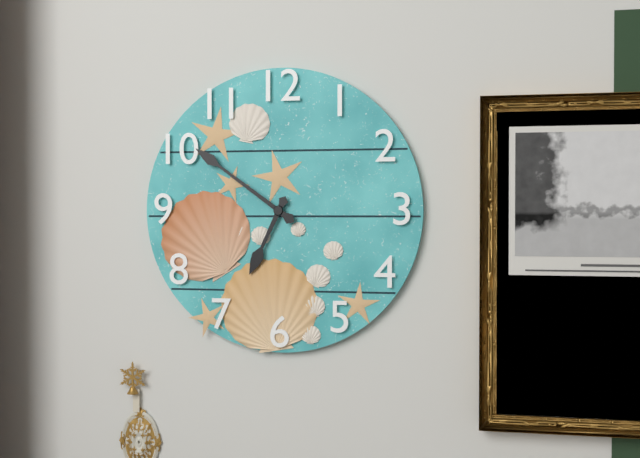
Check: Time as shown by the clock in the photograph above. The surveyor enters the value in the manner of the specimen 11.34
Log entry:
6.51
